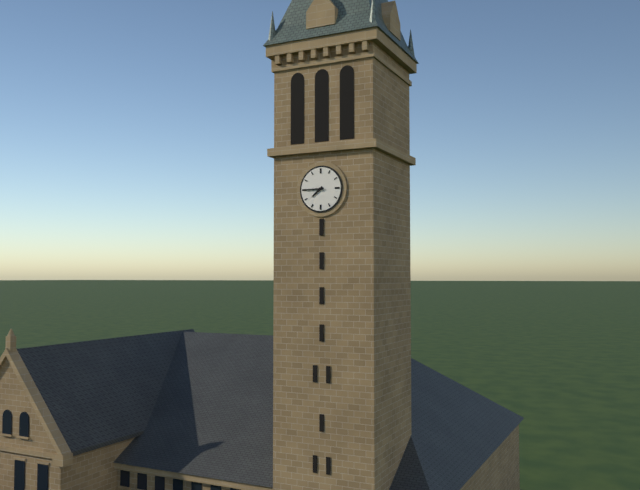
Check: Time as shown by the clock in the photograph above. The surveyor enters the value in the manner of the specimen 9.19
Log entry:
7.45
